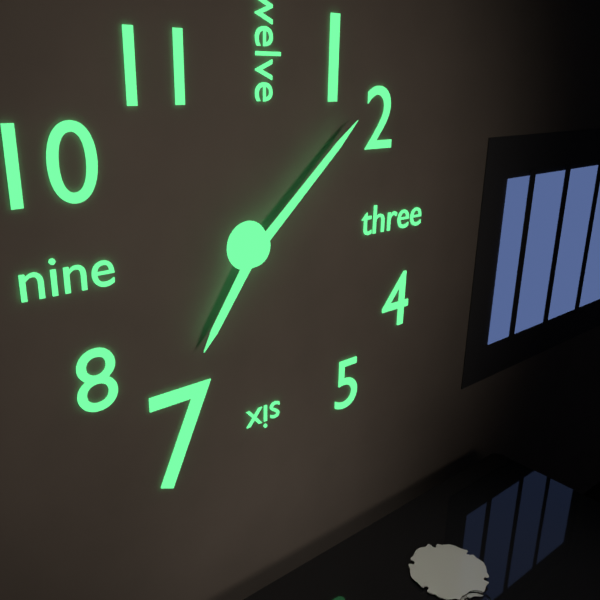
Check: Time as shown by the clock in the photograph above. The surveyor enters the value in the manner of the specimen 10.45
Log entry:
7.08
